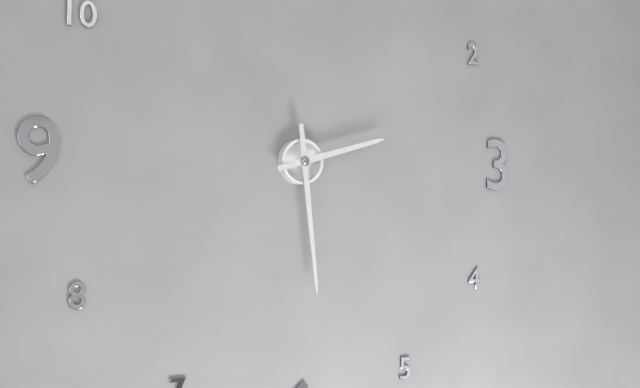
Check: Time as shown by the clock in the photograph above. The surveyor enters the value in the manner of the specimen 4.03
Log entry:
2.29
